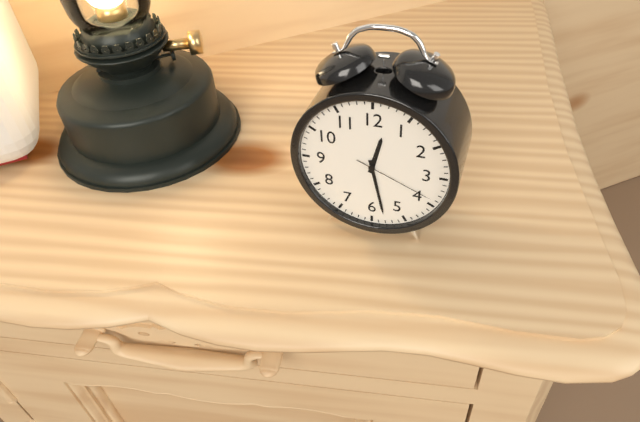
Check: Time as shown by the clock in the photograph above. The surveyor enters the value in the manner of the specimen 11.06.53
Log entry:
12.28.19
